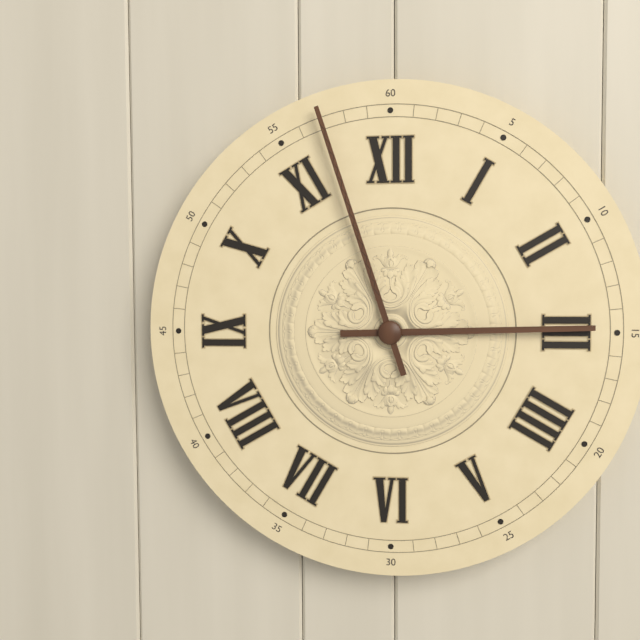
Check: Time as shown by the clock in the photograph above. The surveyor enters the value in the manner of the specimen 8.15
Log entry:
2.57
